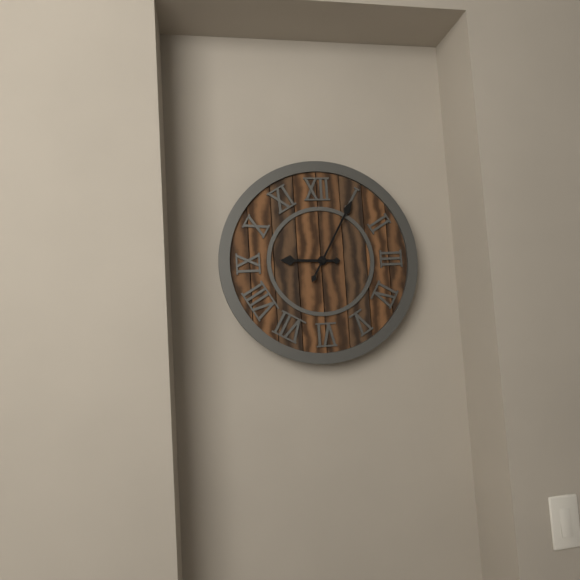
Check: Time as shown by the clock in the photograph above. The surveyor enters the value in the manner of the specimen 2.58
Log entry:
9.05
